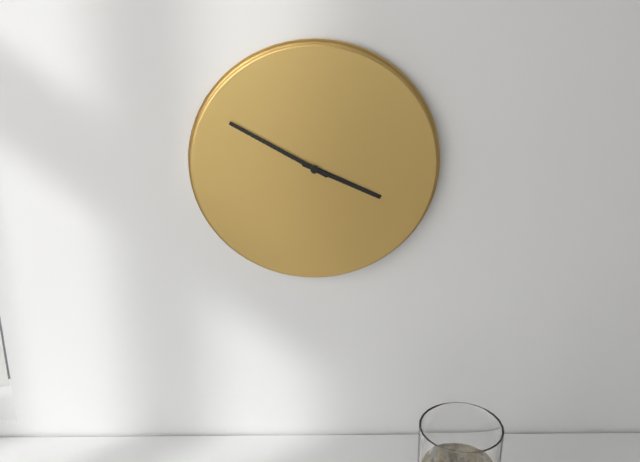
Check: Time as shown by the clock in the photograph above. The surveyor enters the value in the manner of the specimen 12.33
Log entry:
3.50
